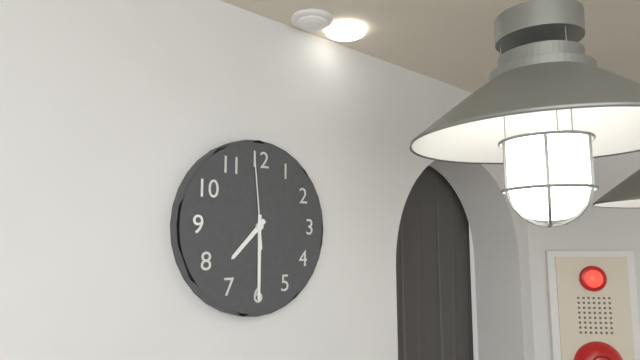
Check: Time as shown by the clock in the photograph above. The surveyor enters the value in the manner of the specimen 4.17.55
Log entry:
7.30.59
